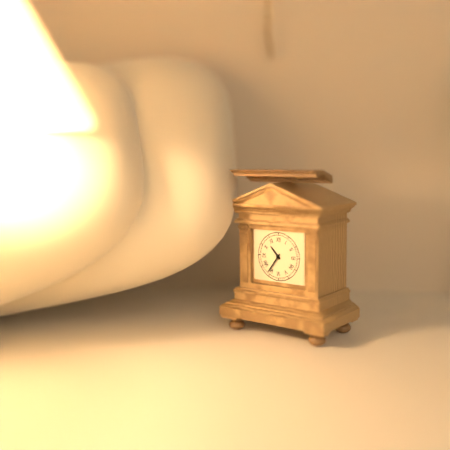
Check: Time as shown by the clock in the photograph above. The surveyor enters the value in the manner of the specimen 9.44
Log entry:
10.36
